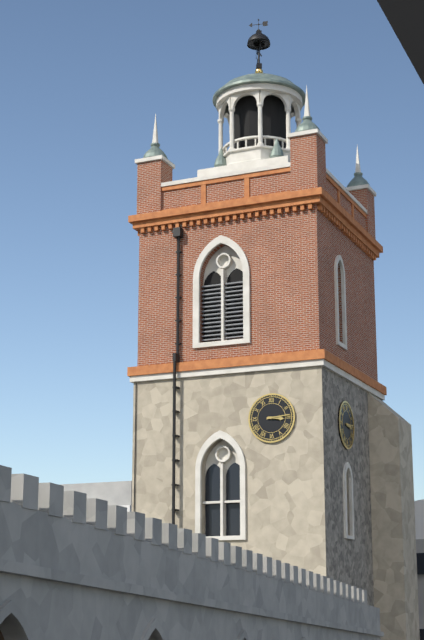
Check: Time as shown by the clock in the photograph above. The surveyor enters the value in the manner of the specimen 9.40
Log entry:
3.14
